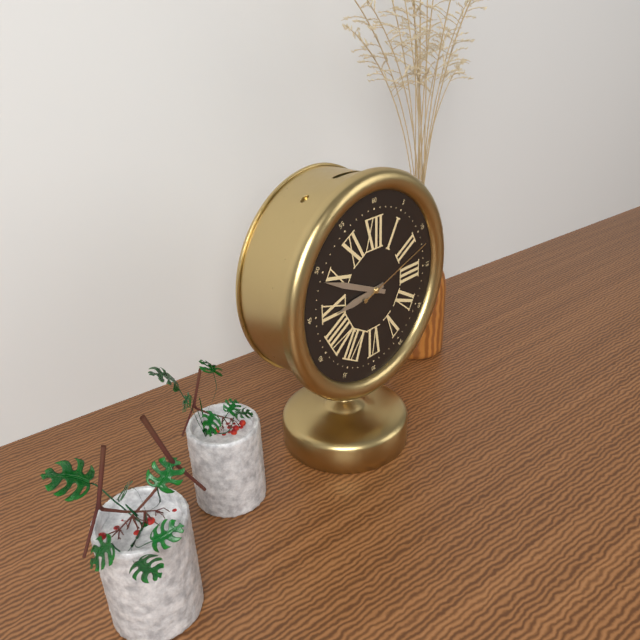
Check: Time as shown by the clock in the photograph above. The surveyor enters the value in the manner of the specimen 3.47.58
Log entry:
8.49.12
